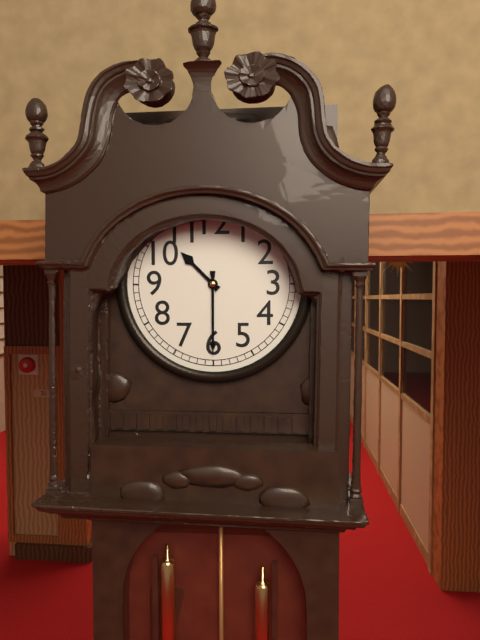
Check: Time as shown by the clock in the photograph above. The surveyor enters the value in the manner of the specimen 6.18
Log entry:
10.30
